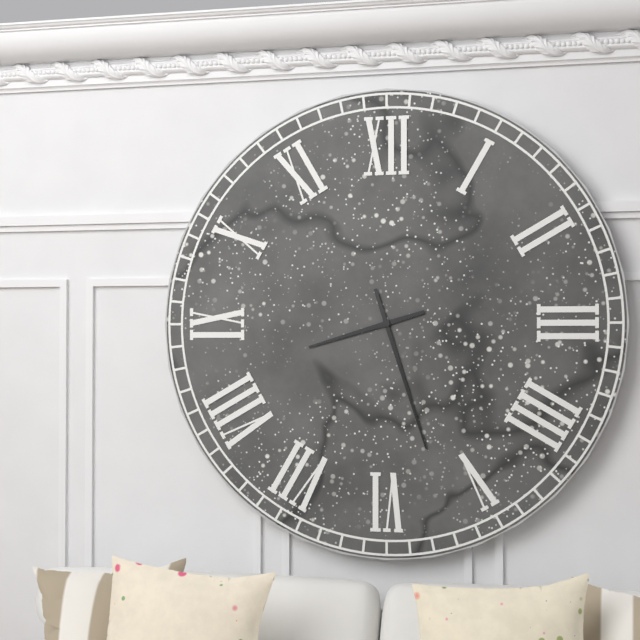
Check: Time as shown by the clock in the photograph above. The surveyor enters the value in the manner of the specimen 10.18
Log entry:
8.27
